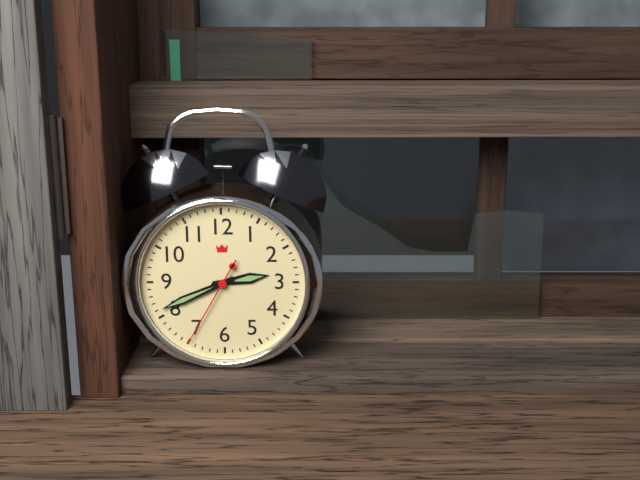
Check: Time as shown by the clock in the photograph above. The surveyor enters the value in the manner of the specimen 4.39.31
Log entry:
2.41.35
